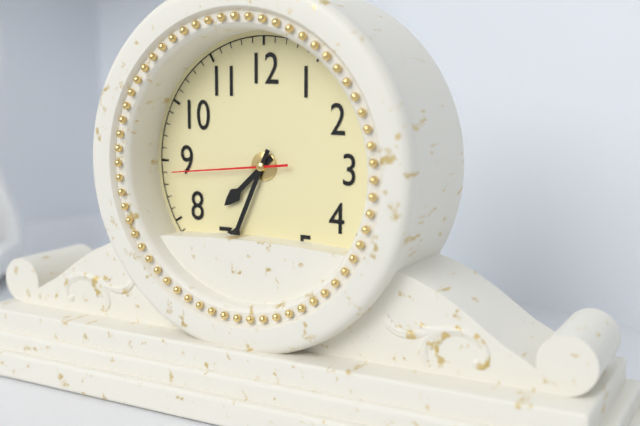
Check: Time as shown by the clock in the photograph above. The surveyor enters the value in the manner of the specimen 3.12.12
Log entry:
7.34.44
